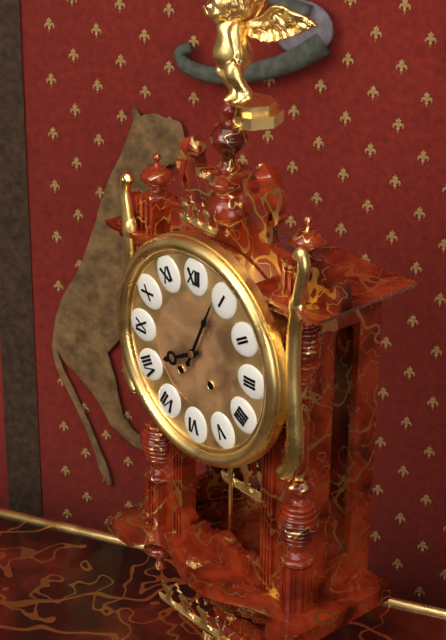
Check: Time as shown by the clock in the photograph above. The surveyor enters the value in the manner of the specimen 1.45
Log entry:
8.04
